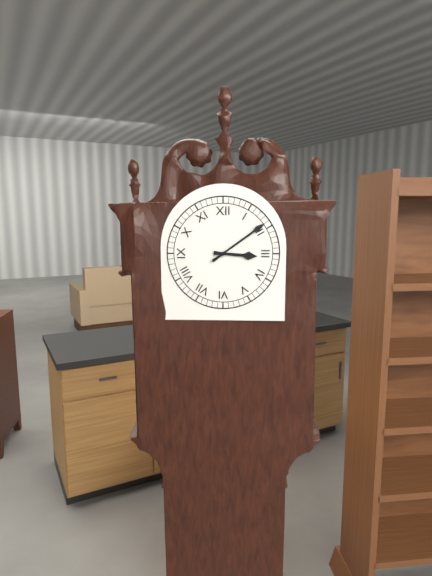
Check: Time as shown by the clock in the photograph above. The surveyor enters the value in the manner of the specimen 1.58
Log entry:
3.09
